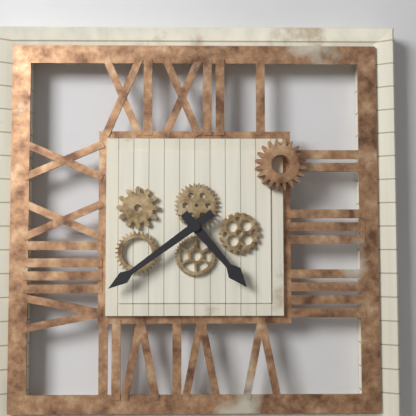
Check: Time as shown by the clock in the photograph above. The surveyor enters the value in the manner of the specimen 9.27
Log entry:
4.39
